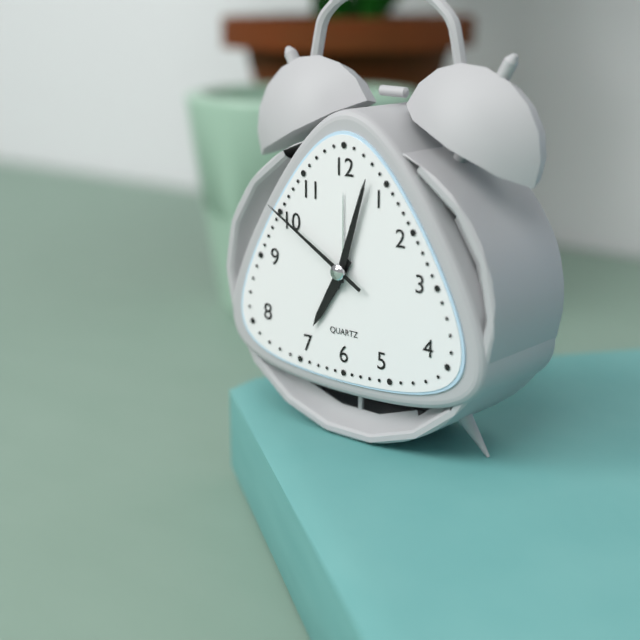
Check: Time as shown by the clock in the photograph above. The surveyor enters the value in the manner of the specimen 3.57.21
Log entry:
7.03.50
